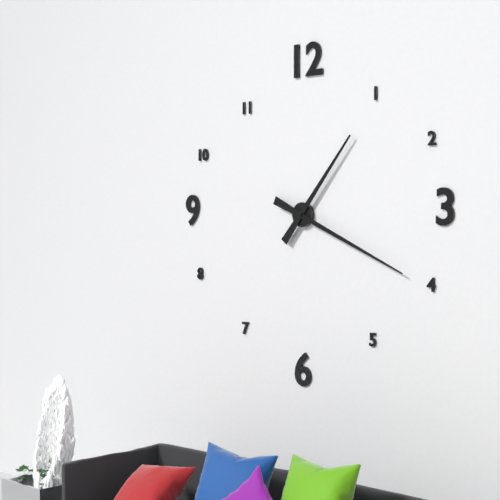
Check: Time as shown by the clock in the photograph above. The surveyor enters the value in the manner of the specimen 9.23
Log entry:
1.19
